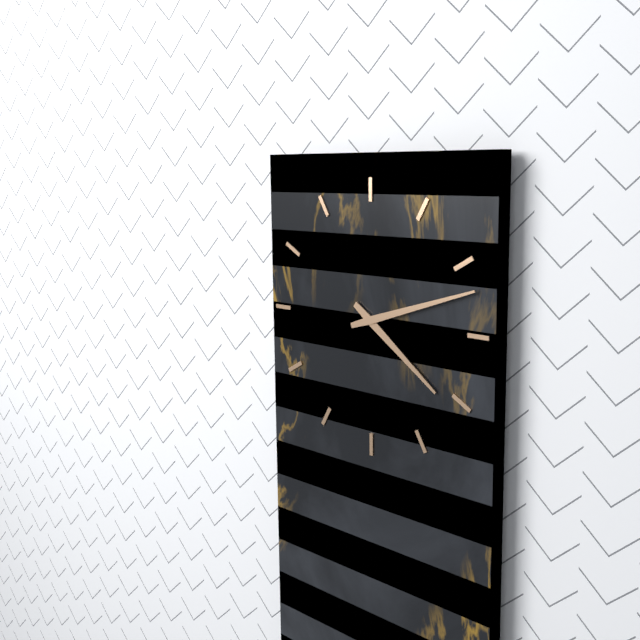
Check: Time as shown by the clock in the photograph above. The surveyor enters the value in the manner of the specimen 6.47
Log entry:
4.12
